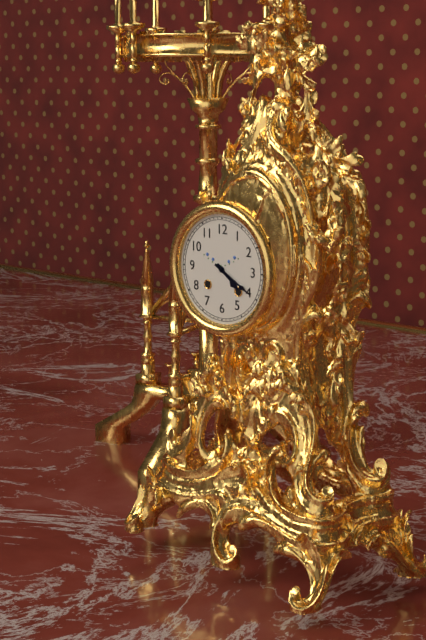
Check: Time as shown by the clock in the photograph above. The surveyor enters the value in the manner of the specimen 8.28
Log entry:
4.20
